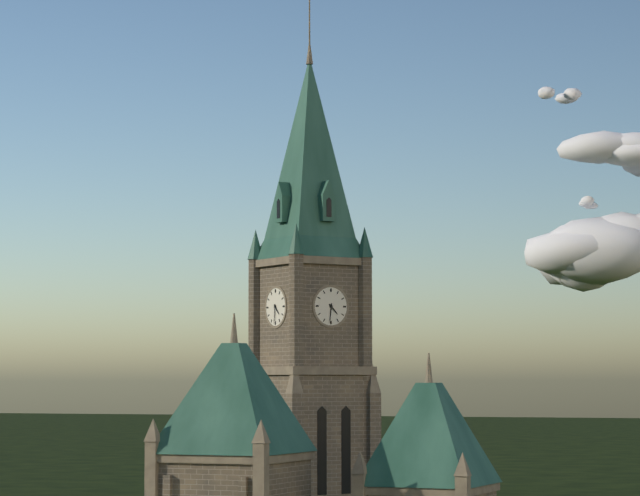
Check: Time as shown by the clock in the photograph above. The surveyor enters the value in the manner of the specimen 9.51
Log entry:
4.31
